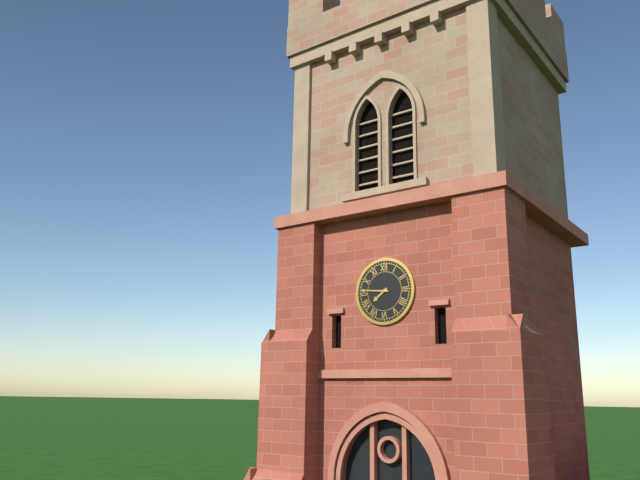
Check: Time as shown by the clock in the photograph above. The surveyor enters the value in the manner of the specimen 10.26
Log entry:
7.46
